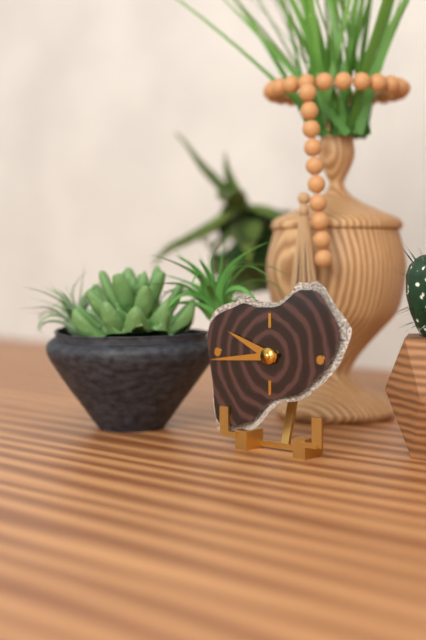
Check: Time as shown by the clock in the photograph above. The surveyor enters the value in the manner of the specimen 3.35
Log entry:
9.44
